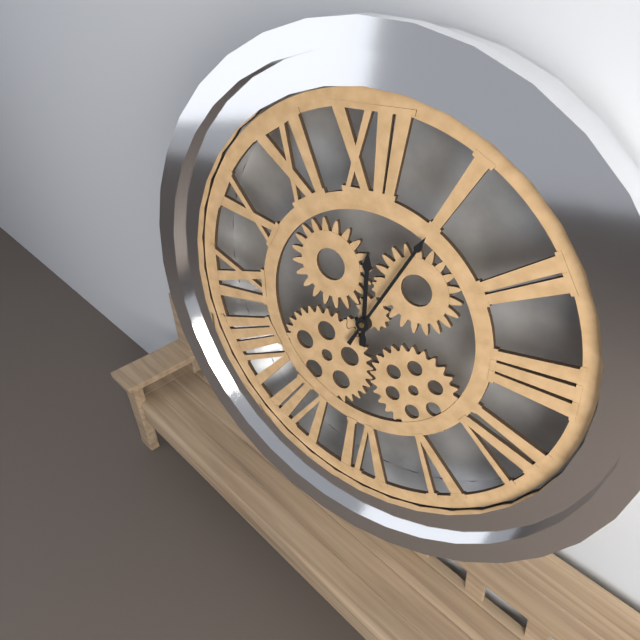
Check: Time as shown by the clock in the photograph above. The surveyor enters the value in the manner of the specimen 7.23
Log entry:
12.05
